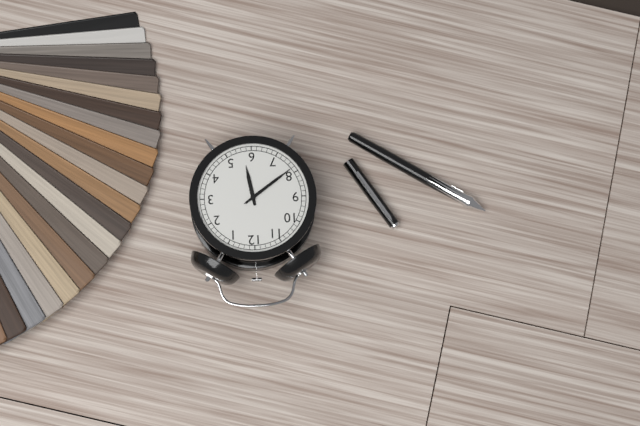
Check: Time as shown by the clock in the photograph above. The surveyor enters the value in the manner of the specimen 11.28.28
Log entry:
5.39.39
